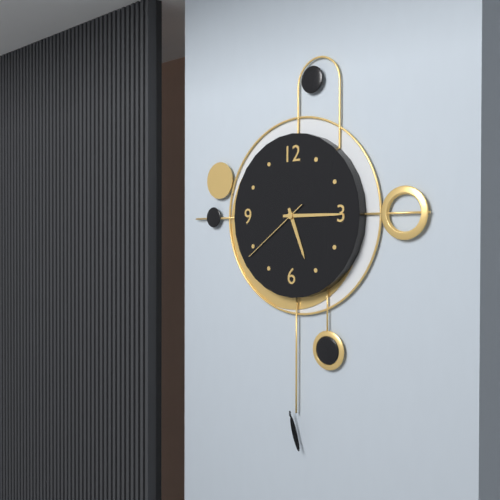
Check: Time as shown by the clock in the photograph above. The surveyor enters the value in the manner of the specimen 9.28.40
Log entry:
5.15.39
